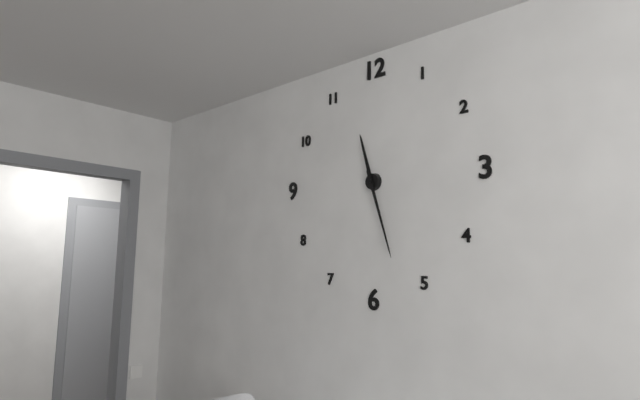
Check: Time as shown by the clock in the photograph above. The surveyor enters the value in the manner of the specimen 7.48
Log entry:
11.27
